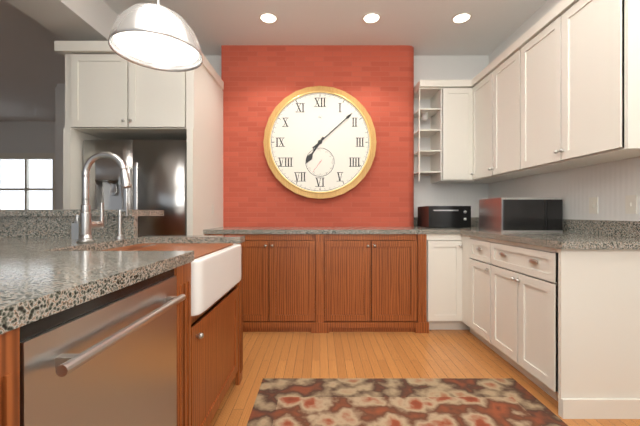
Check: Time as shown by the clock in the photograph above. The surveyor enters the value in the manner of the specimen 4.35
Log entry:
7.08
